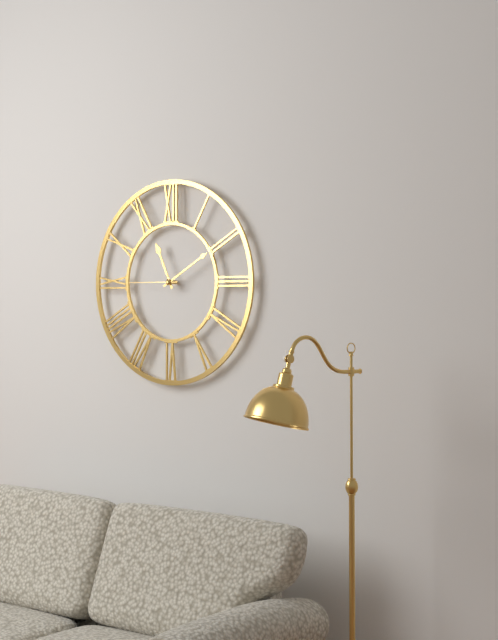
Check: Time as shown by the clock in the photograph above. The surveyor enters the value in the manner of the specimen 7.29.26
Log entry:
11.10.45
